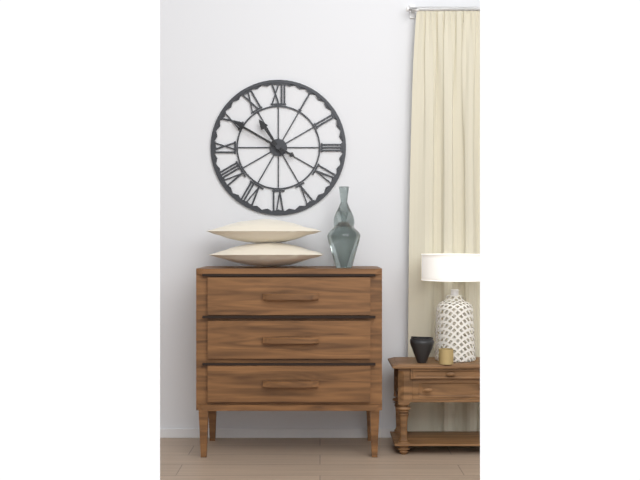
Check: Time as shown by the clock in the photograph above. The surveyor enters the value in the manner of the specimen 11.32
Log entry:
10.50
